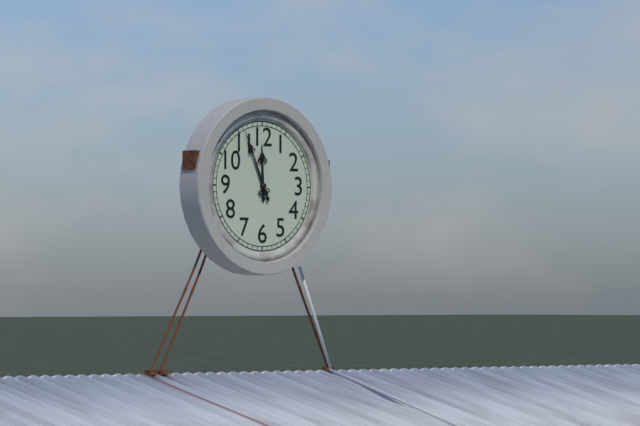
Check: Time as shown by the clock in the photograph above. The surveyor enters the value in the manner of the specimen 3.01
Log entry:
11.56
